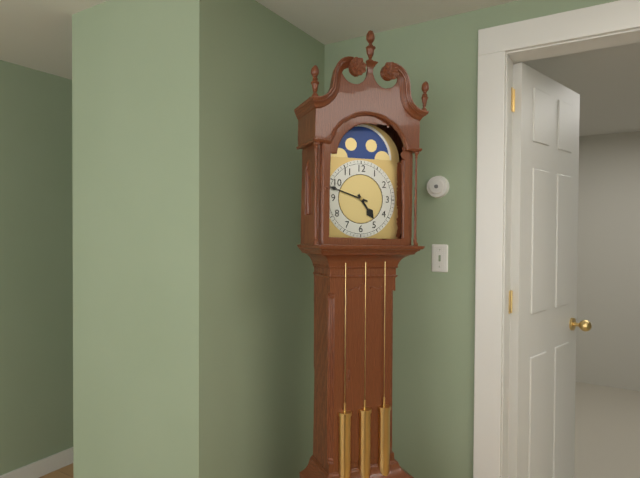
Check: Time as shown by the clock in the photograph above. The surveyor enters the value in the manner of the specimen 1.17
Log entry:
4.48
